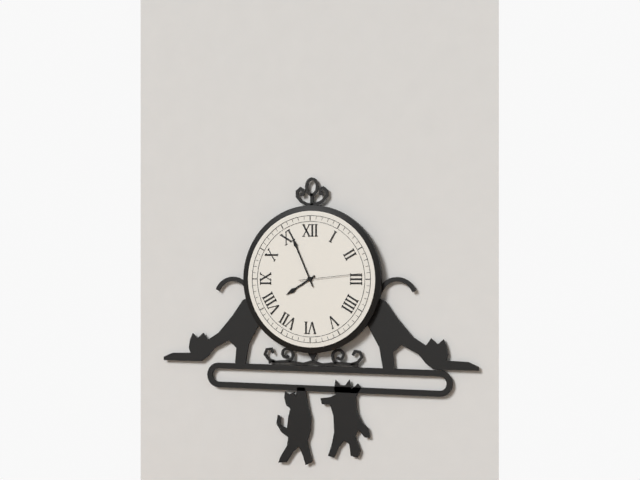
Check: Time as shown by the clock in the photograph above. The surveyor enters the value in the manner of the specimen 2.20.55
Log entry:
7.56.14
